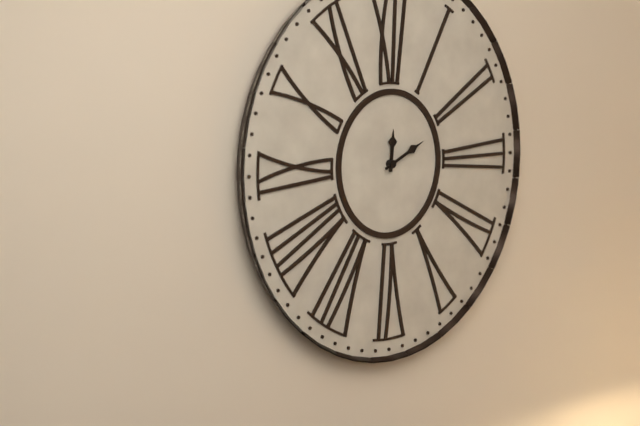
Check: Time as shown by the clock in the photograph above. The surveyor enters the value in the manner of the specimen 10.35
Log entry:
12.11
